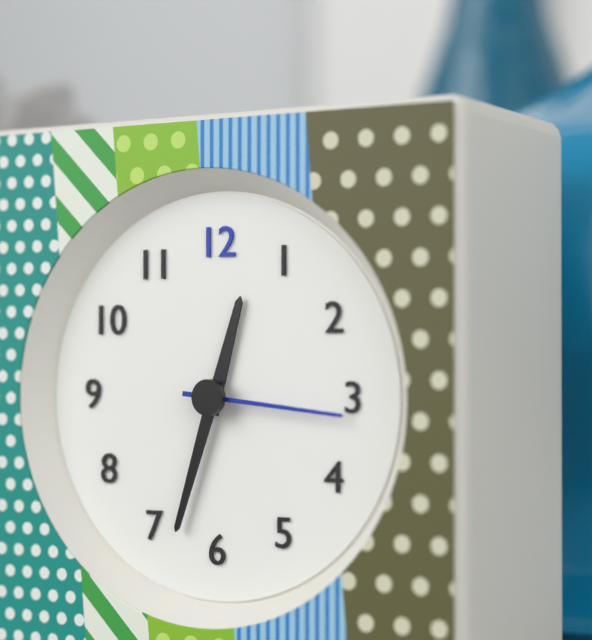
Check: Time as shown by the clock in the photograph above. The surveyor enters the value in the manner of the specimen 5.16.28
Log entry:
12.33.16
